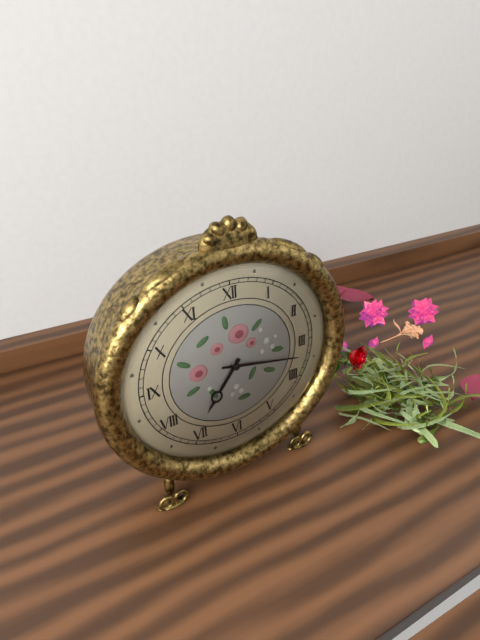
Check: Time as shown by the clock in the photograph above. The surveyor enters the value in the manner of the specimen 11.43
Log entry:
7.17
